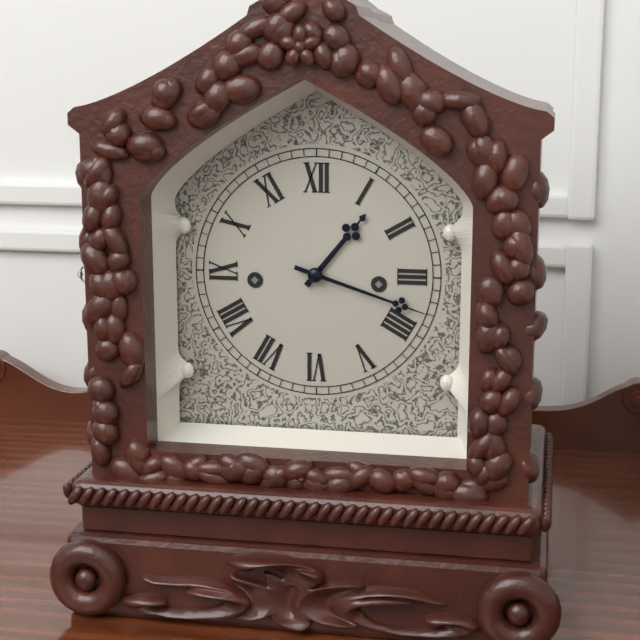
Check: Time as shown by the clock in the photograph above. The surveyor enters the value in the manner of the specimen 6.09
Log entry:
1.18
